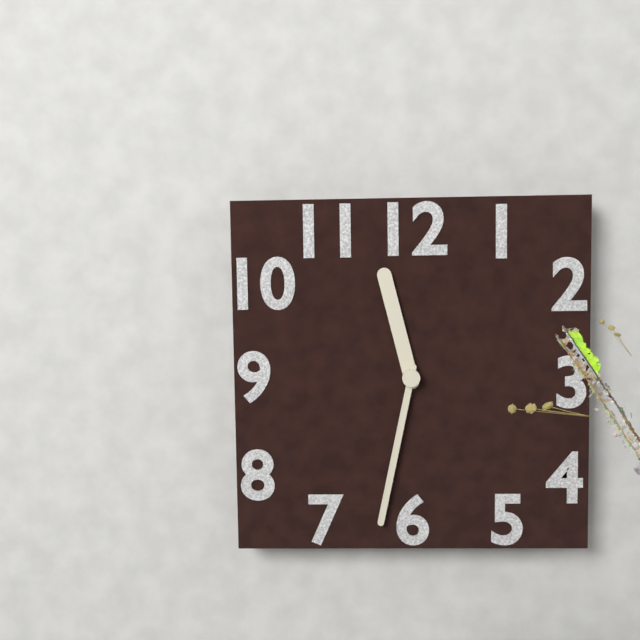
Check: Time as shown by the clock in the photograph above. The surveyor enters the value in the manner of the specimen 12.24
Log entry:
11.32
